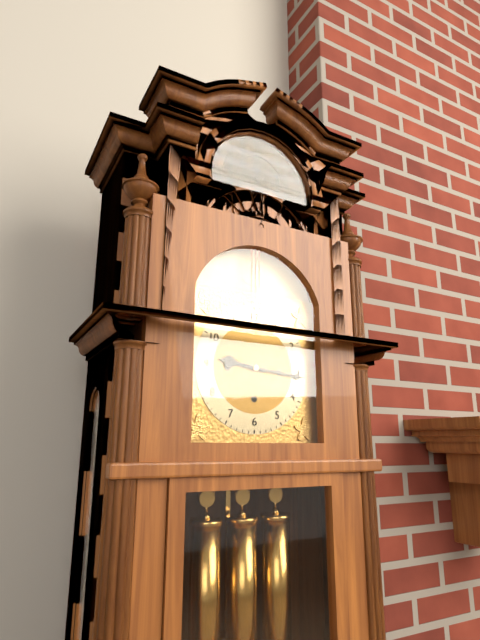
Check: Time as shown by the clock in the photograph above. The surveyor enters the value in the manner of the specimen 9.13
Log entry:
9.16
